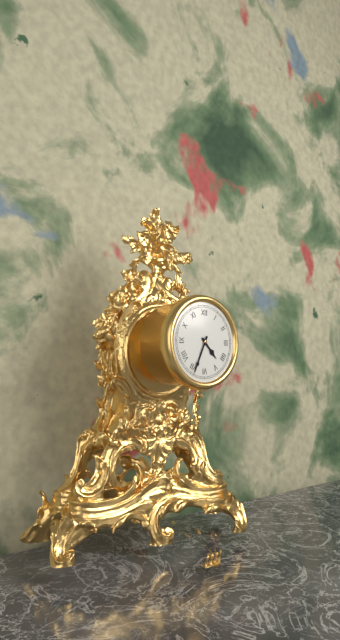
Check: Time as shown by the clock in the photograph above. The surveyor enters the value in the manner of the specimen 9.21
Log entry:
4.34
